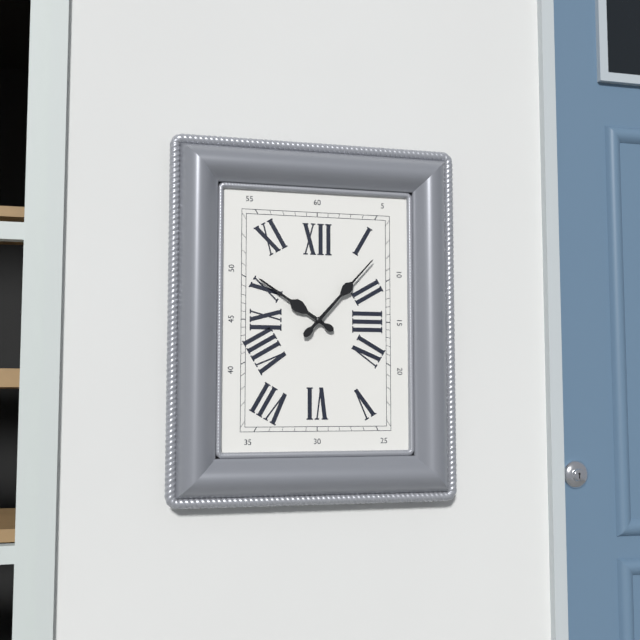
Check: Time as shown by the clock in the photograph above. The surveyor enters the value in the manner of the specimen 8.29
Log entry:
10.07
